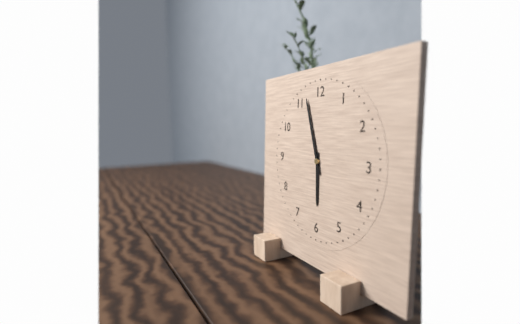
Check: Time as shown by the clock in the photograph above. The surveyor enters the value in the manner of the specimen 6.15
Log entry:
5.57
